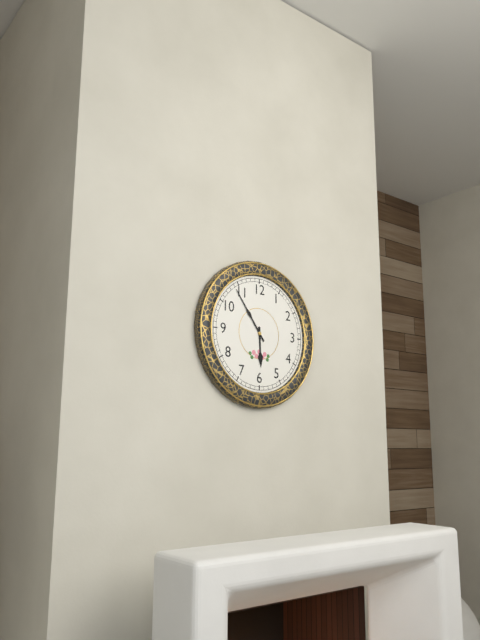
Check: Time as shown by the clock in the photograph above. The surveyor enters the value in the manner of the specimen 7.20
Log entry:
5.54
